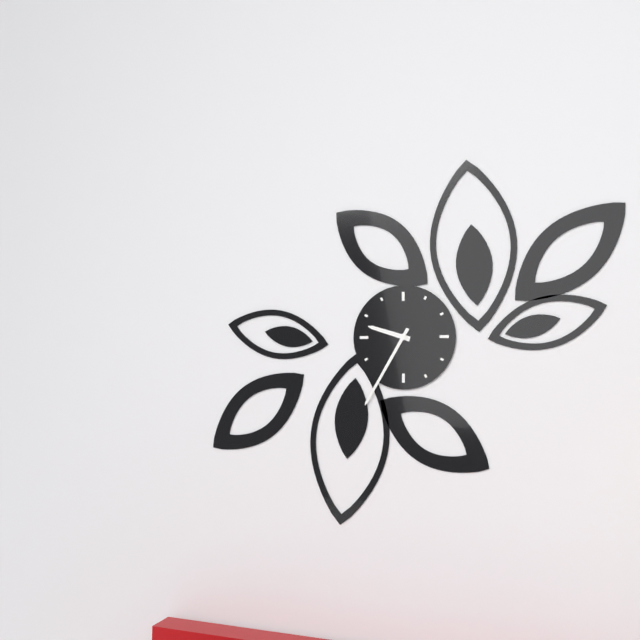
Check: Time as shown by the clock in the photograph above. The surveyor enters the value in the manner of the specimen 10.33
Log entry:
9.35
